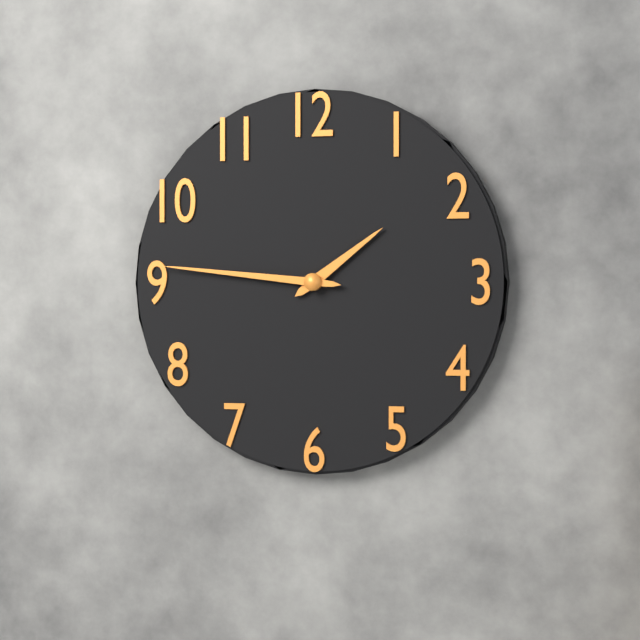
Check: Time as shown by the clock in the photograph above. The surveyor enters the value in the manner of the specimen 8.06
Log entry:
1.46
